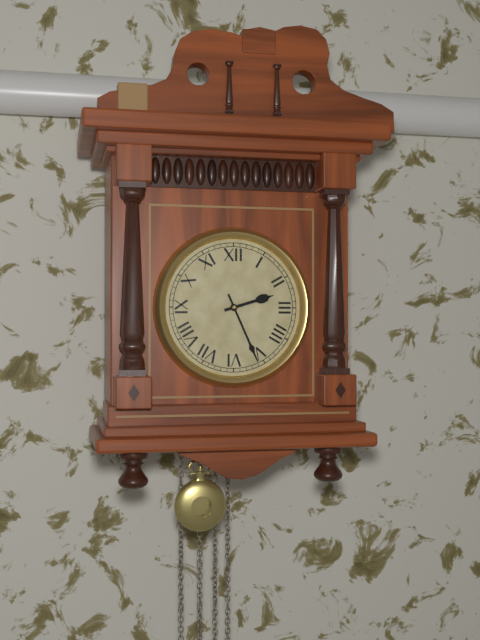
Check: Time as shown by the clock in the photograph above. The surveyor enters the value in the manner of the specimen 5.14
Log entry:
2.26
